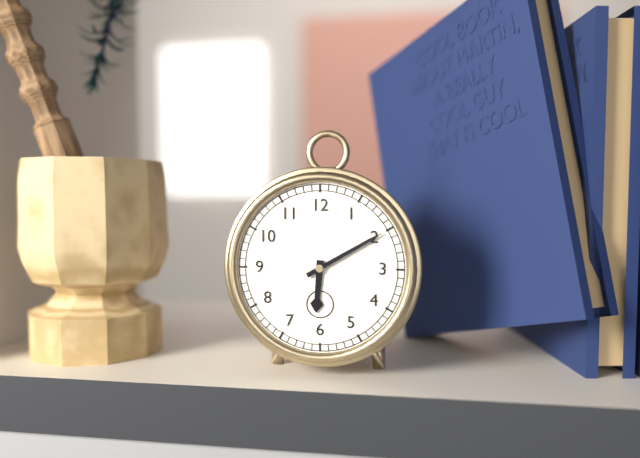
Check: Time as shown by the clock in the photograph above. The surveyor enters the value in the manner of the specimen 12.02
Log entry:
6.10
